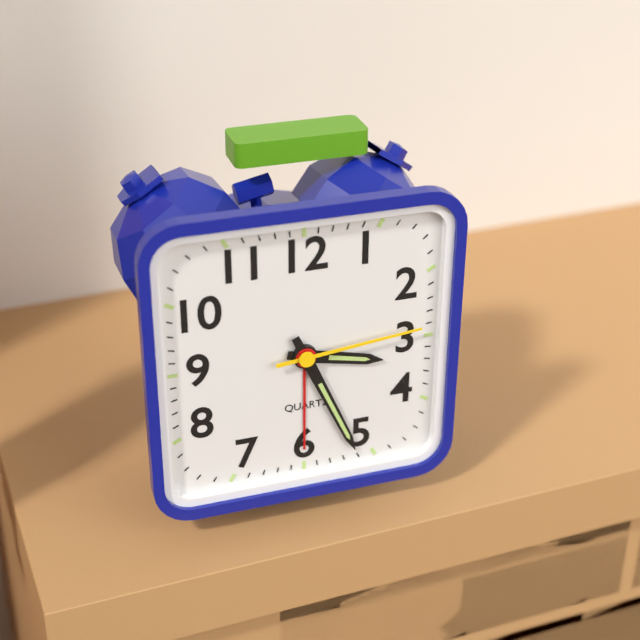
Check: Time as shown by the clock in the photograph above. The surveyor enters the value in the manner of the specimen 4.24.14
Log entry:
3.26.14
